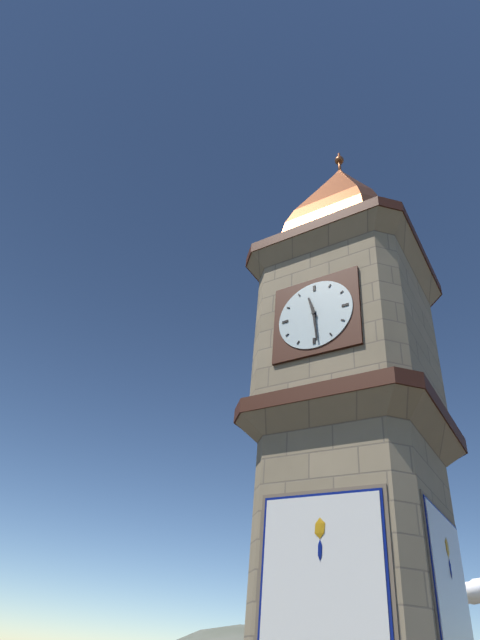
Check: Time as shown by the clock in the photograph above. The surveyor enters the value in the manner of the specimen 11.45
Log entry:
11.29
